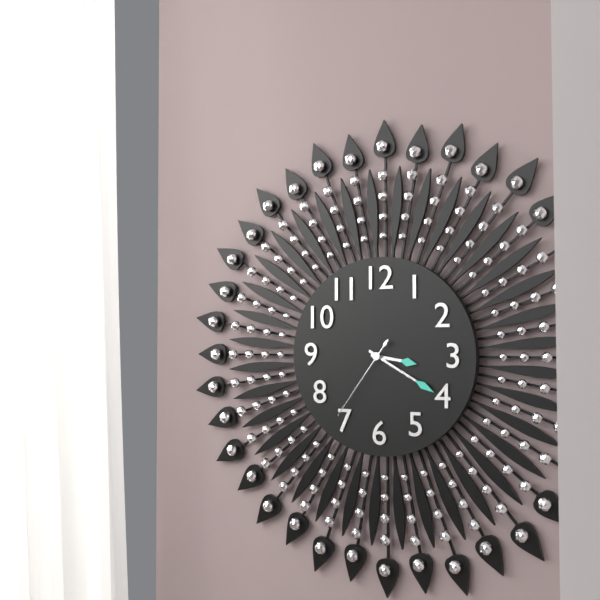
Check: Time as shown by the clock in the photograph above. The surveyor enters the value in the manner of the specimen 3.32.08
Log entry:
3.20.36
